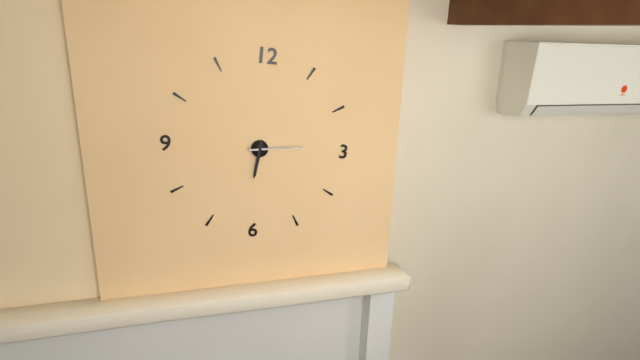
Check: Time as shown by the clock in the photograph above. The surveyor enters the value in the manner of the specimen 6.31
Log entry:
6.14
